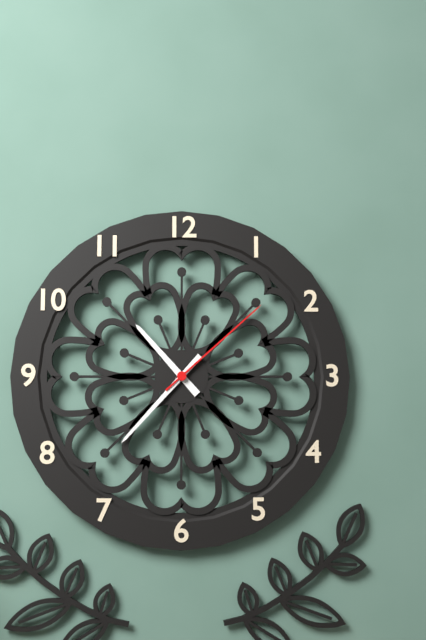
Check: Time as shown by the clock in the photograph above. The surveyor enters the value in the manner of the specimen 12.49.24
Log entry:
10.37.08
